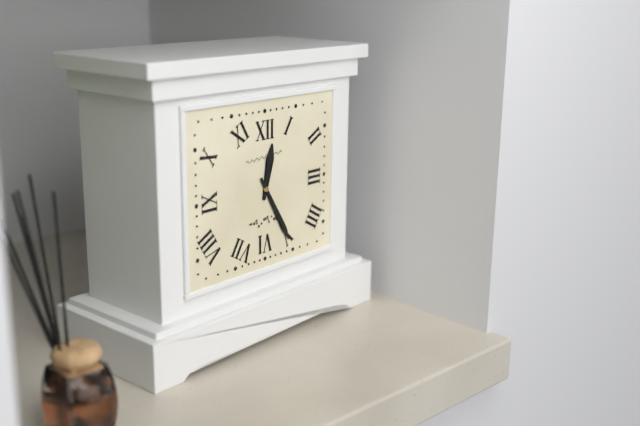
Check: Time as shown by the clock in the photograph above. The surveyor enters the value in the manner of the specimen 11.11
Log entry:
12.25
